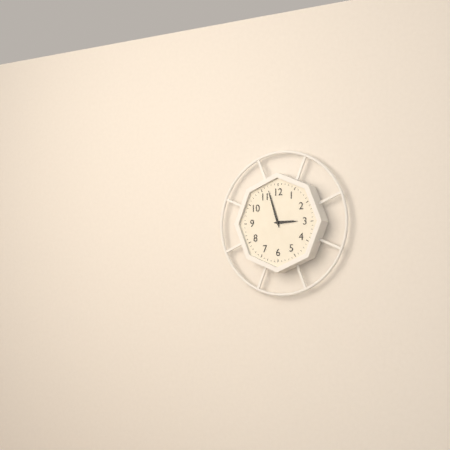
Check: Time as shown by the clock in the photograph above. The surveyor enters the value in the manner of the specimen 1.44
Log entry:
2.57
